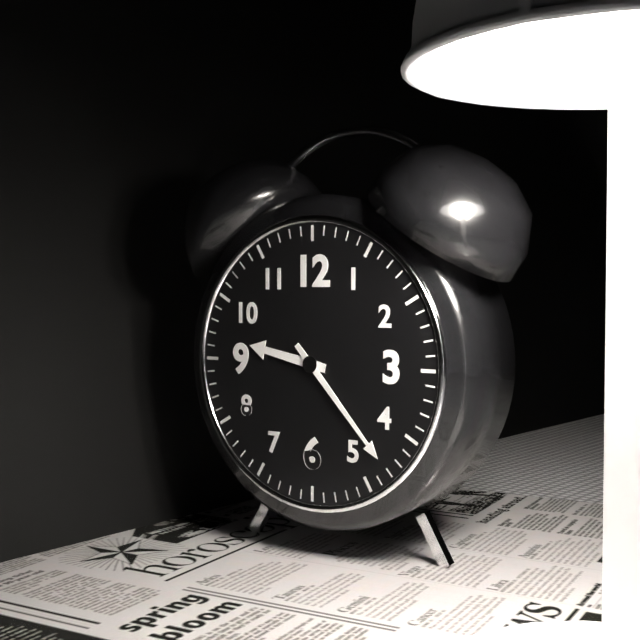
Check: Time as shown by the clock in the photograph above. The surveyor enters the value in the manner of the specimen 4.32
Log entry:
9.23
